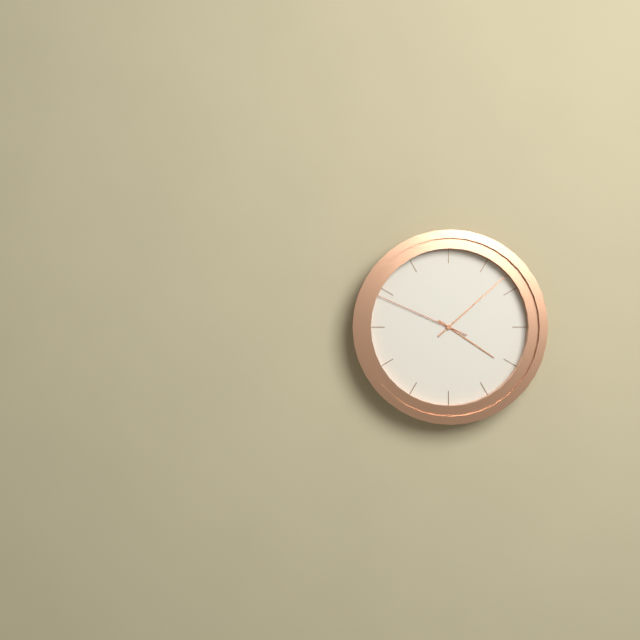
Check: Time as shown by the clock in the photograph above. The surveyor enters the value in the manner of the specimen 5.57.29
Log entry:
4.08.49
